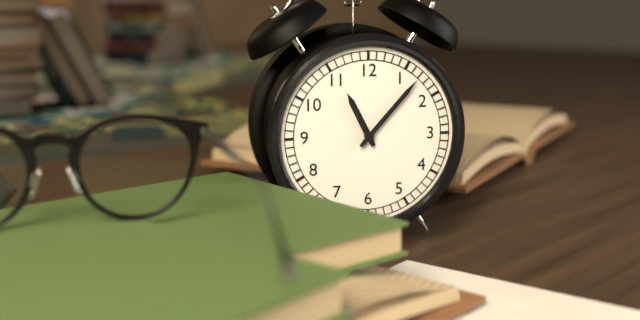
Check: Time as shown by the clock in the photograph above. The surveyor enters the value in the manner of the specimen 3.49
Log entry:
11.07
